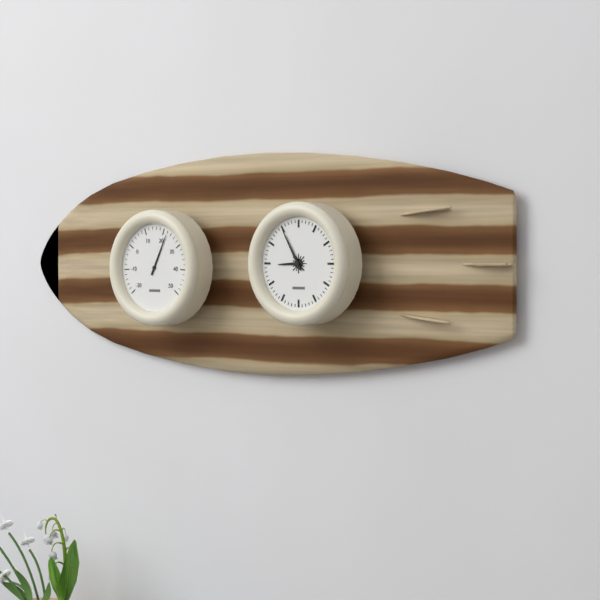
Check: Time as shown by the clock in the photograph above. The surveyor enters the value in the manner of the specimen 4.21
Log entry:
8.55
